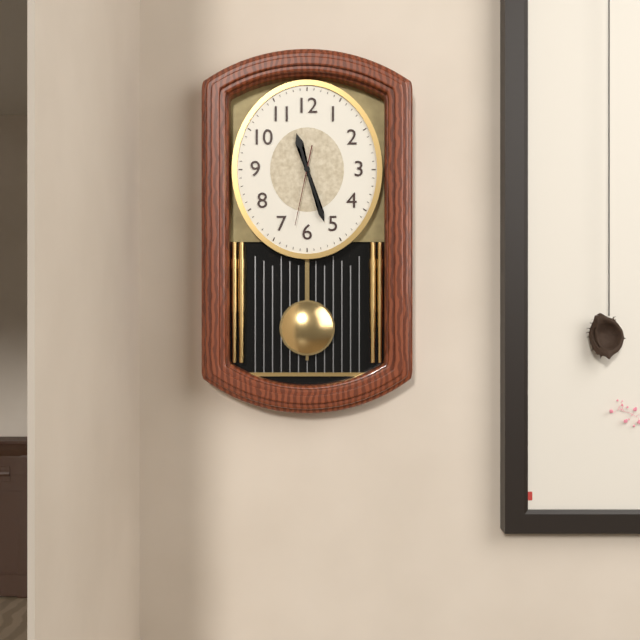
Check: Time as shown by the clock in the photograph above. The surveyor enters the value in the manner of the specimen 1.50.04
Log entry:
11.27.32
